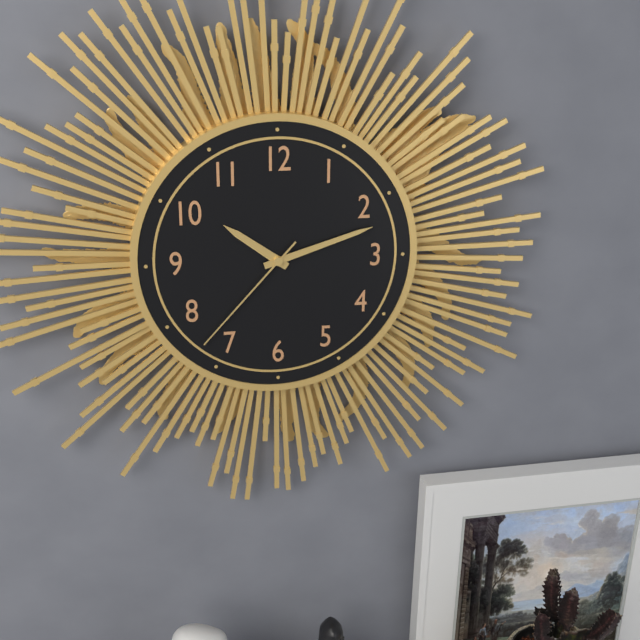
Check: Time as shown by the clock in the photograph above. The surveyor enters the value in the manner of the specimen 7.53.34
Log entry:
10.12.37
